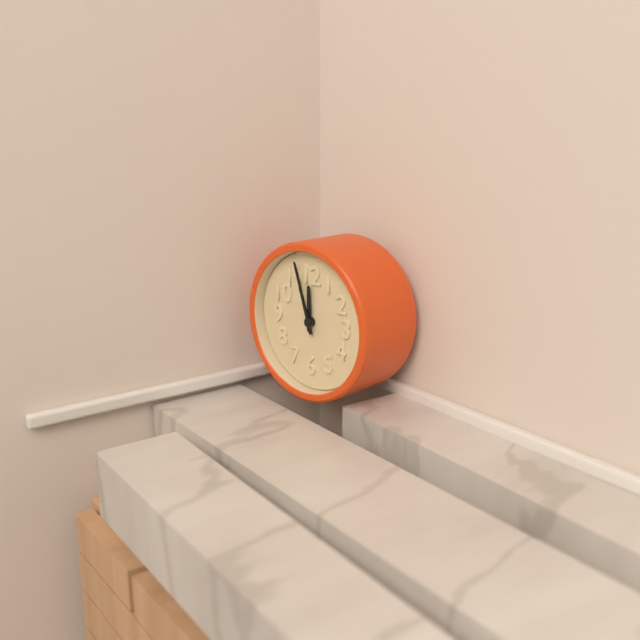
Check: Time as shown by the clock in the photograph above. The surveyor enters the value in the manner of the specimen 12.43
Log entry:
11.57
